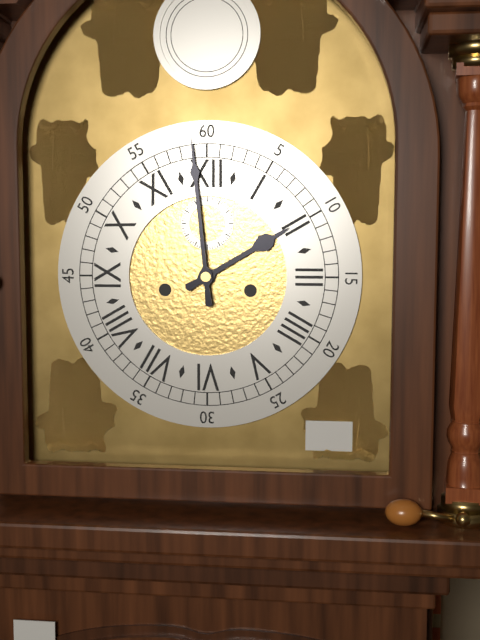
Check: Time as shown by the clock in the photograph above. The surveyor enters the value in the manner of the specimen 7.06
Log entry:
1.59
